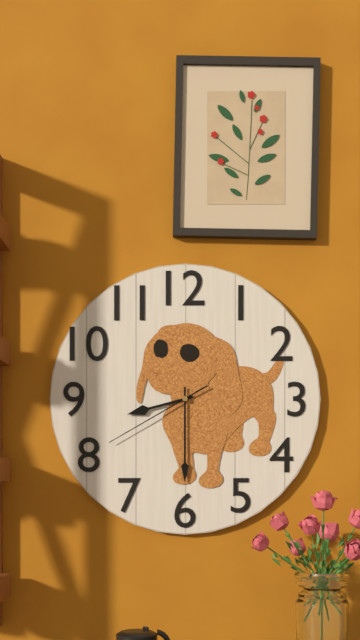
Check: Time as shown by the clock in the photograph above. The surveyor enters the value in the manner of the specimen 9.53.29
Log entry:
8.30.40
